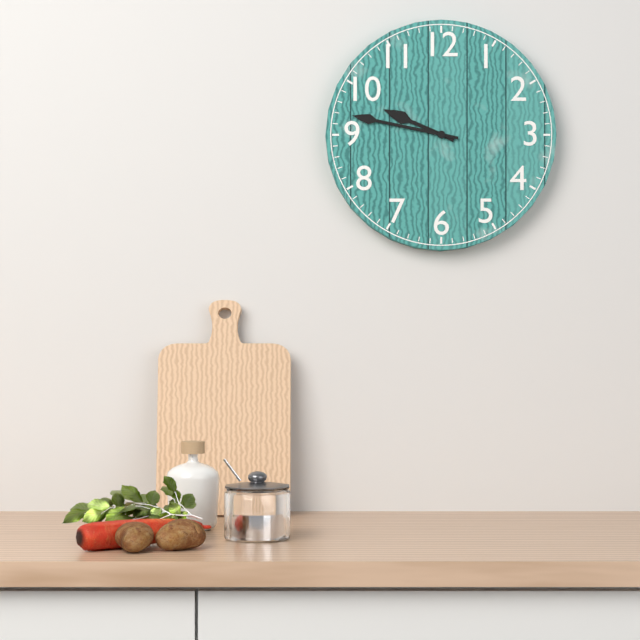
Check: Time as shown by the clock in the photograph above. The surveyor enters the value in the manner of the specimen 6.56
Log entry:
9.47
